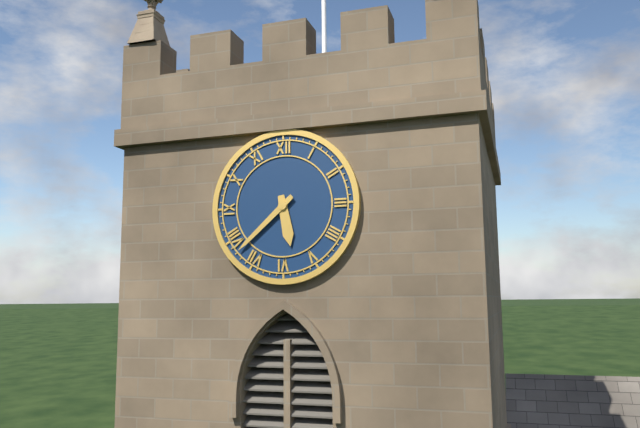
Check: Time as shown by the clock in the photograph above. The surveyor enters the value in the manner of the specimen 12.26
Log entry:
5.38
